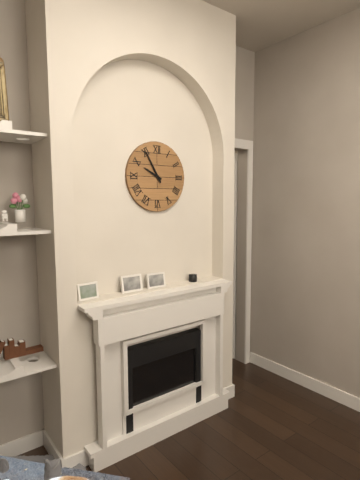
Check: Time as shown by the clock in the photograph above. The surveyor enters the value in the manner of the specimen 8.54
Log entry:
9.55
